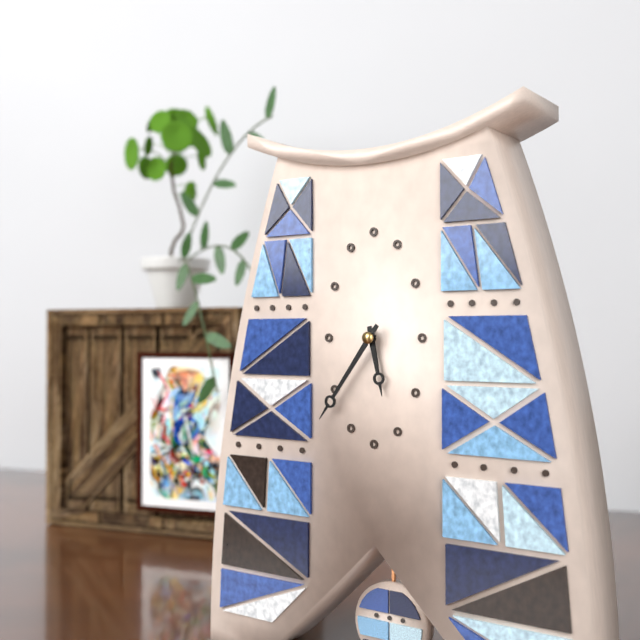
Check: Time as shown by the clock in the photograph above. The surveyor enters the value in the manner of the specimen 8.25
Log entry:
5.36
